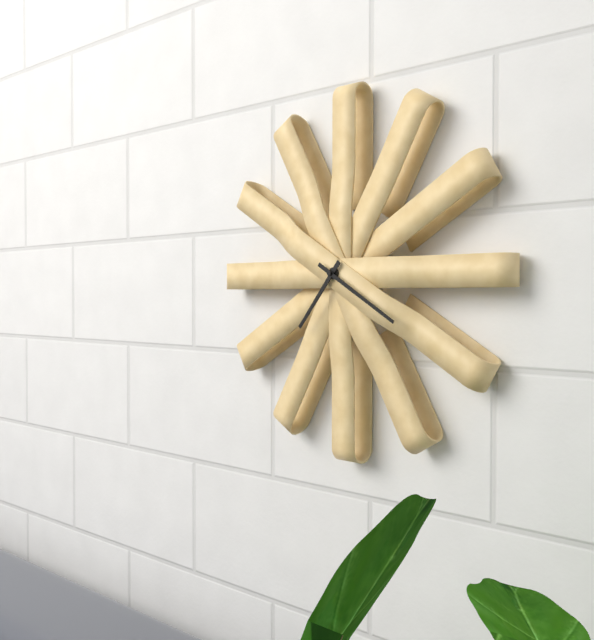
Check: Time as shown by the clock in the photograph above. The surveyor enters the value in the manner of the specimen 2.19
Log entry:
7.20
